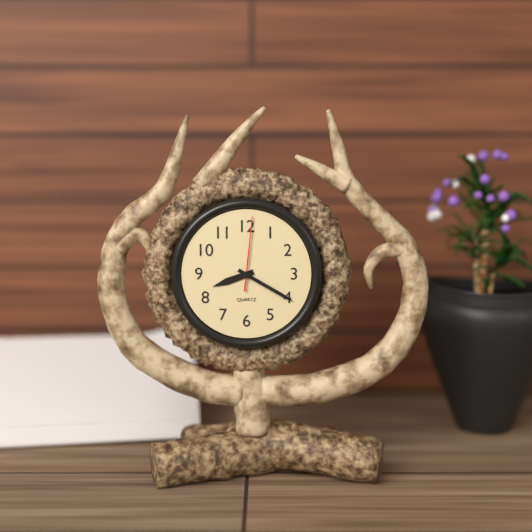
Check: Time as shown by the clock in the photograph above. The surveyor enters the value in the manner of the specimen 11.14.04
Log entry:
8.20.01
